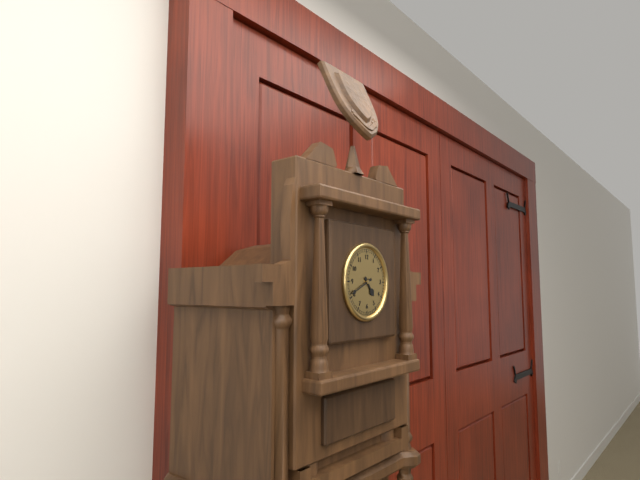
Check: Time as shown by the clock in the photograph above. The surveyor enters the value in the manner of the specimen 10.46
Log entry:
4.41
